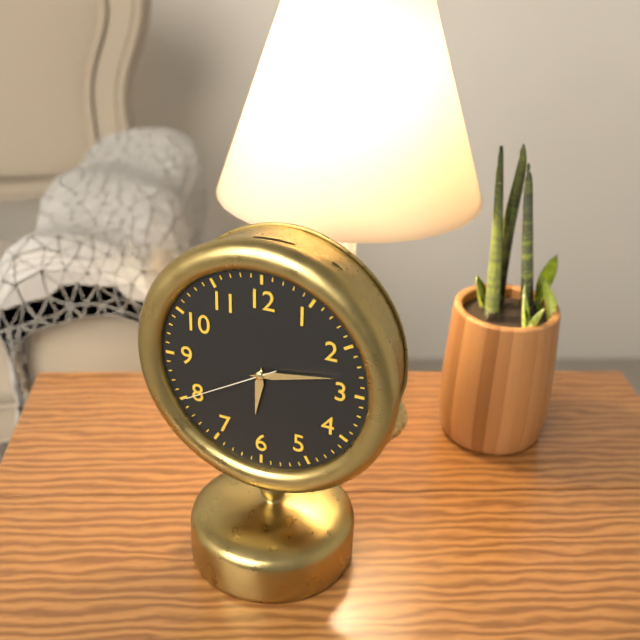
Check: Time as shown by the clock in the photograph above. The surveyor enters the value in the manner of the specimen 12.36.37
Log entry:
6.13.40
